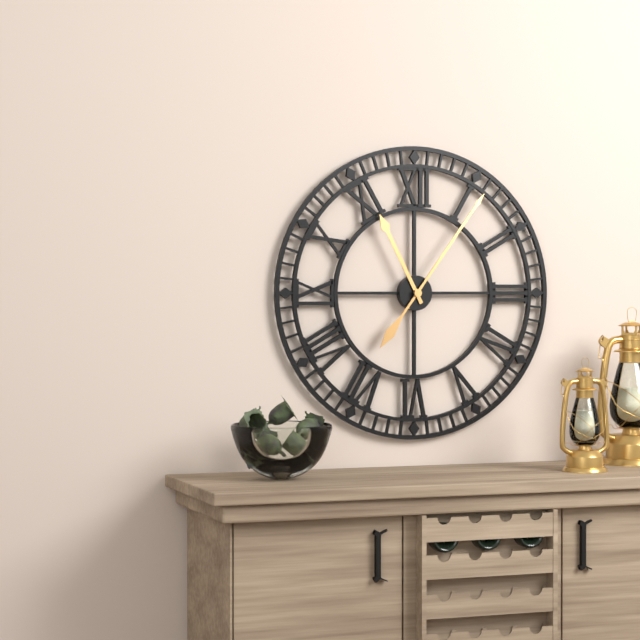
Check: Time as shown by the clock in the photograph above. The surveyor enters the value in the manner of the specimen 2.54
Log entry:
11.06
